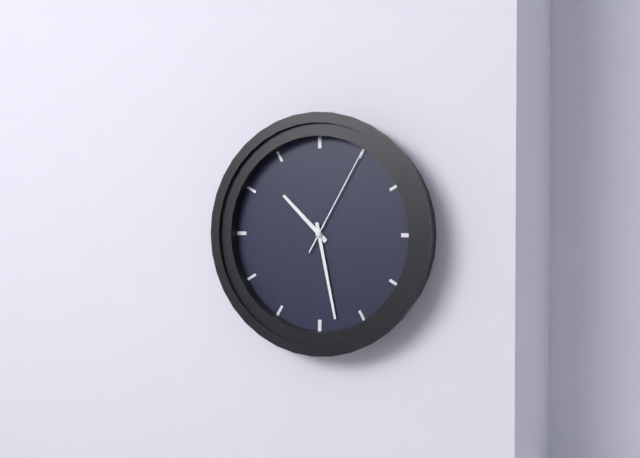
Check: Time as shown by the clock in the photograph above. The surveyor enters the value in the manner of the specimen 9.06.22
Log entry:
10.28.05
